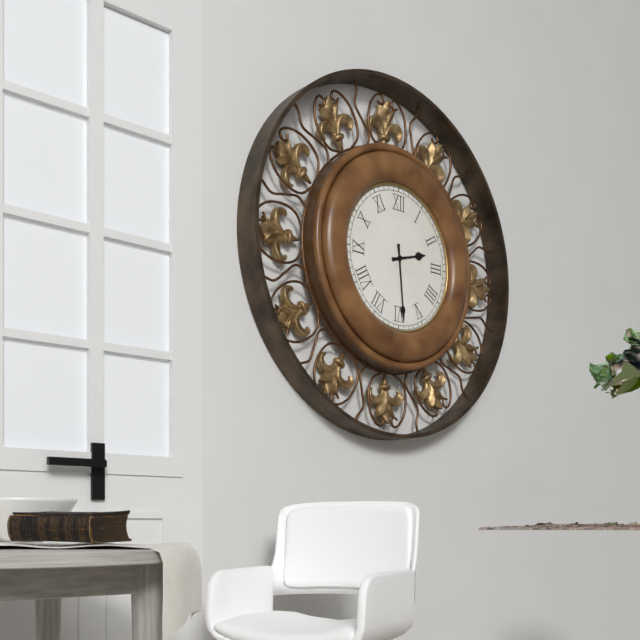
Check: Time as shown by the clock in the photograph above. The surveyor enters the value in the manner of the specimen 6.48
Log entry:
2.29
